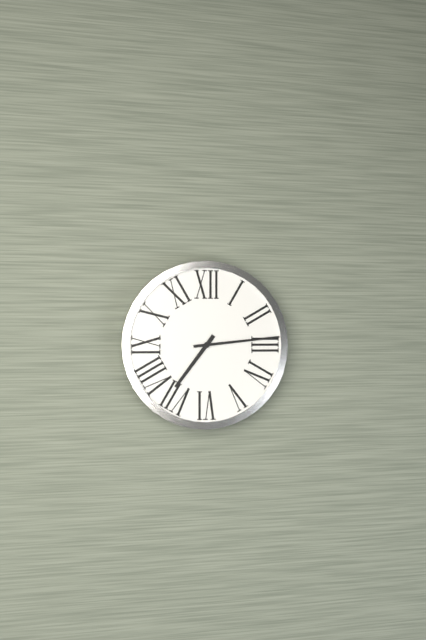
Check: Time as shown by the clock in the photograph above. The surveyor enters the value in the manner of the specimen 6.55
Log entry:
7.14
